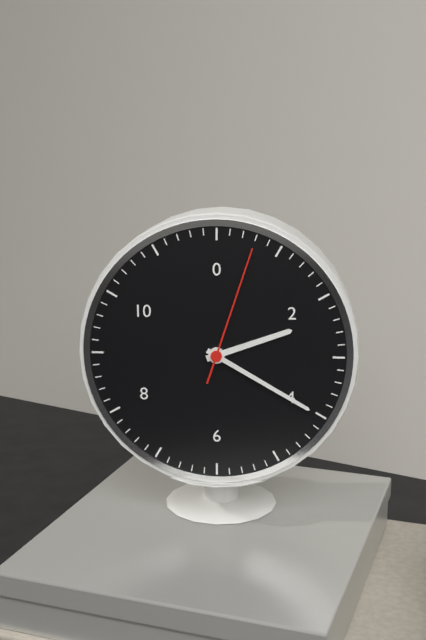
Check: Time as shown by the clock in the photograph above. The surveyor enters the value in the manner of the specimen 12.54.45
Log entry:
2.20.03
